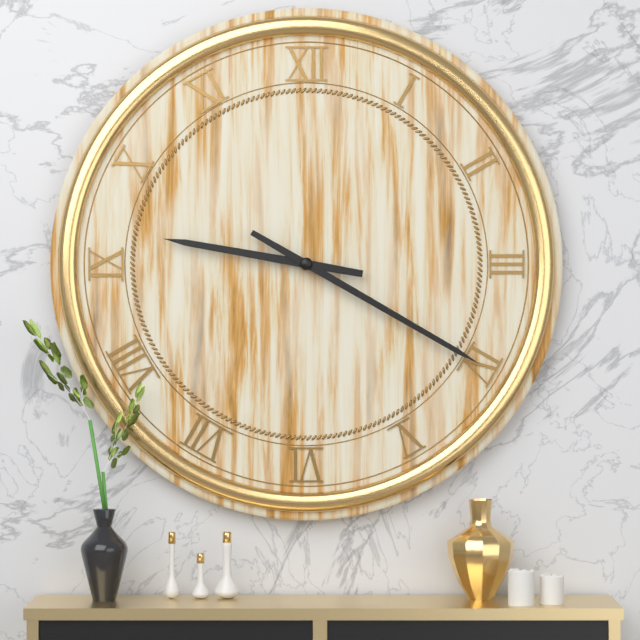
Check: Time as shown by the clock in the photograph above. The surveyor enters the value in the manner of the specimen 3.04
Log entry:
9.20
